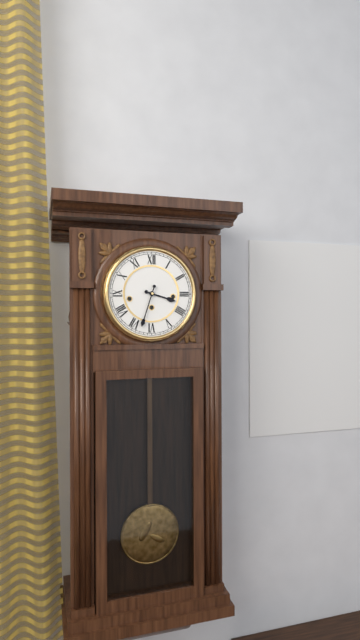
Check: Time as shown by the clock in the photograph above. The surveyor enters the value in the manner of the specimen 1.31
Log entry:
3.33
